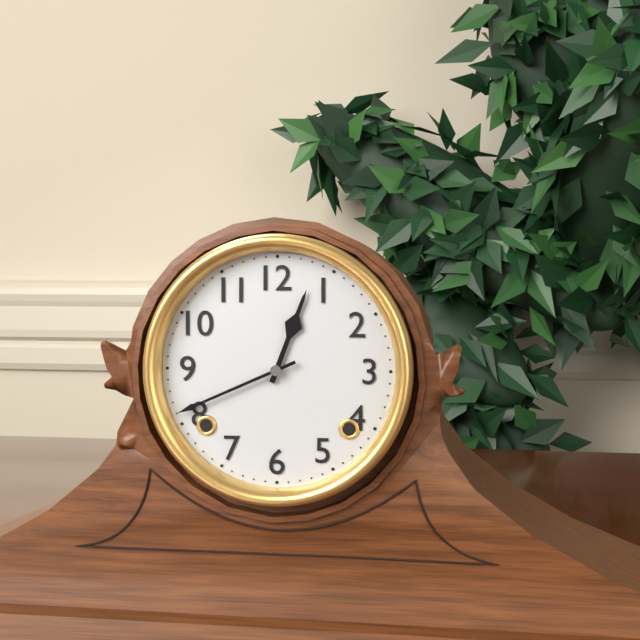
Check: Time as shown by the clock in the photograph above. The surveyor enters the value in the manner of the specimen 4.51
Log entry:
12.41
